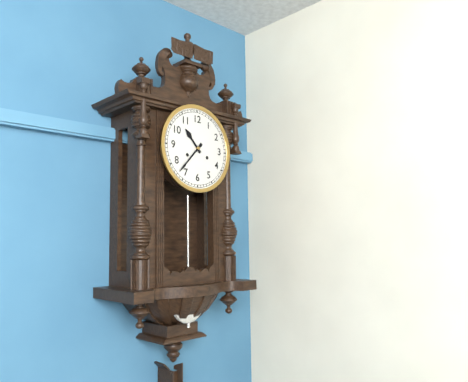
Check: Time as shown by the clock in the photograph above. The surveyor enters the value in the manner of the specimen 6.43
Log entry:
10.37
